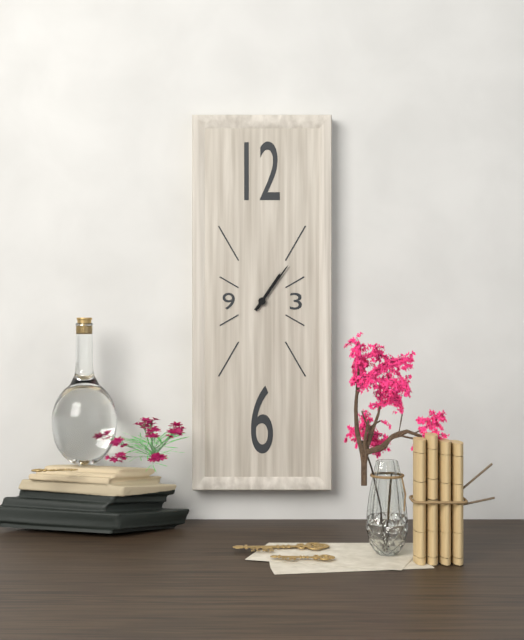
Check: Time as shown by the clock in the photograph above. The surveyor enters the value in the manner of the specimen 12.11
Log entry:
1.06
